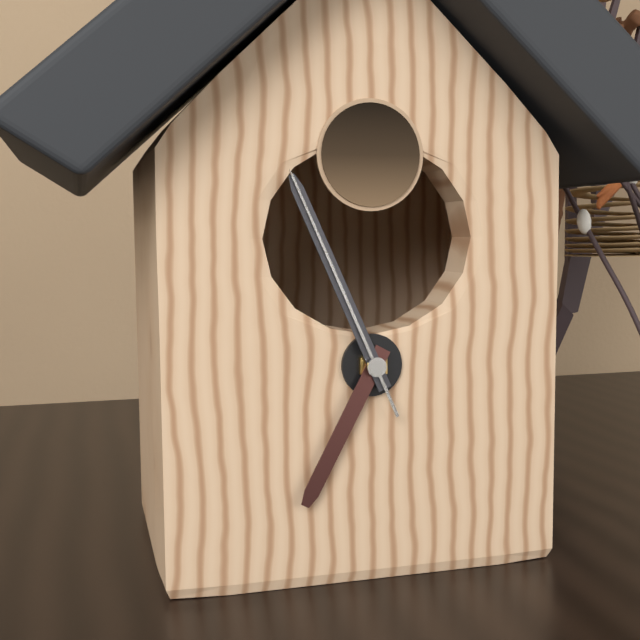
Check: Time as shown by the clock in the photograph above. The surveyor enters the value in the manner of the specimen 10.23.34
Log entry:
6.56.56
